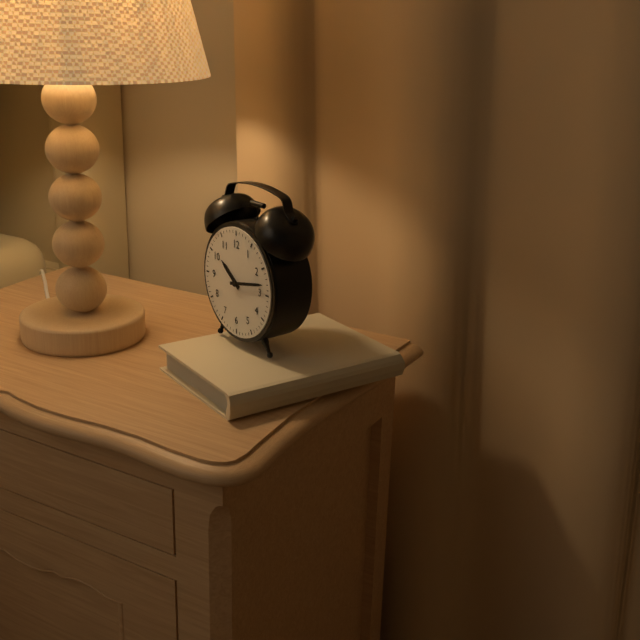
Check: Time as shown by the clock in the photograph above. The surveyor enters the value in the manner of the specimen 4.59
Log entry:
10.13
